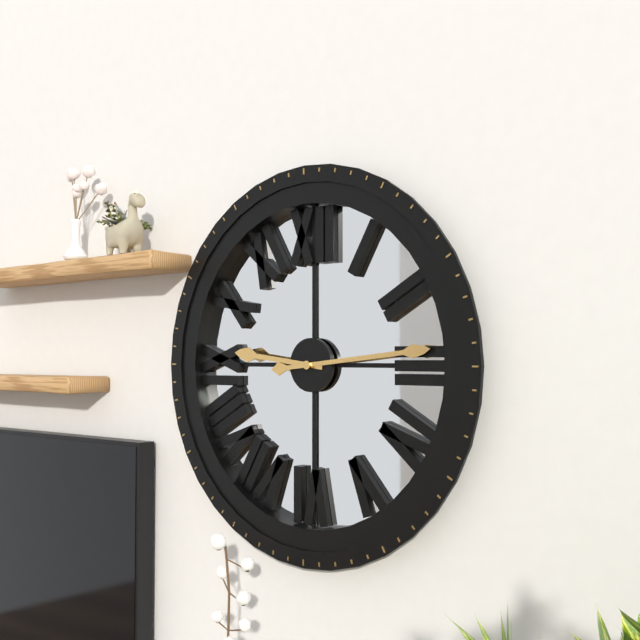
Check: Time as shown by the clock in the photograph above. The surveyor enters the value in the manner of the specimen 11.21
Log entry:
9.14
